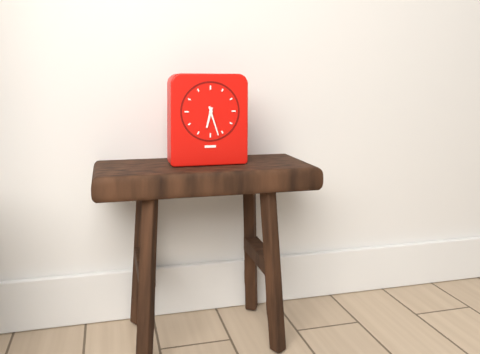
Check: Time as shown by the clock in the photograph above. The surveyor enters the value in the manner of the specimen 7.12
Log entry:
6.27
